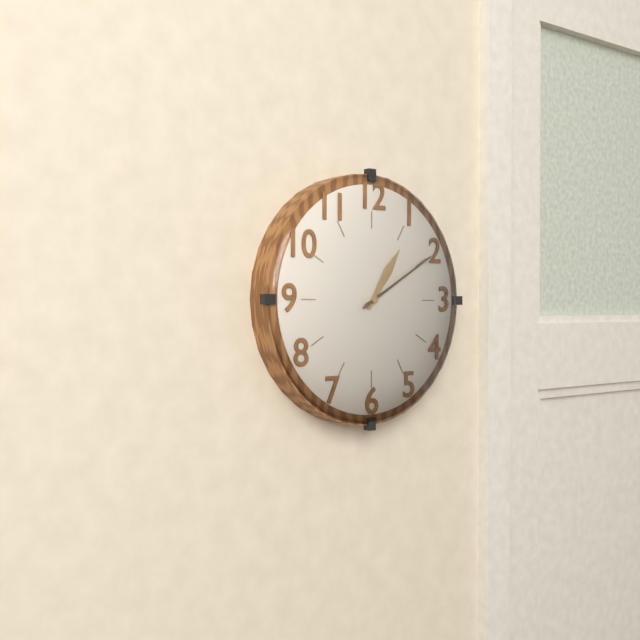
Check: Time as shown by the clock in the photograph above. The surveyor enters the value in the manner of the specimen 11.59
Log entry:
1.10
